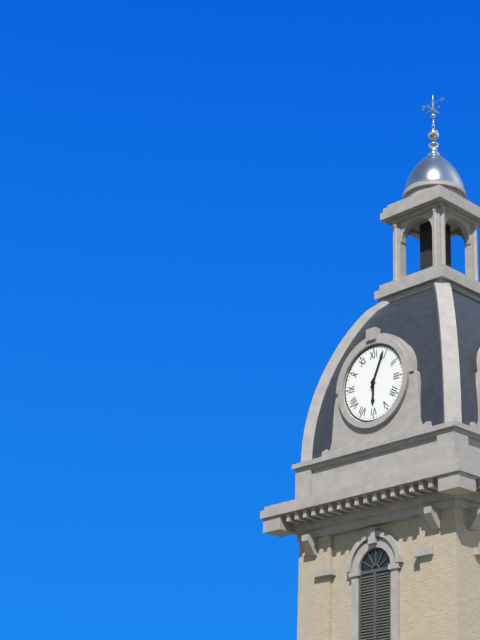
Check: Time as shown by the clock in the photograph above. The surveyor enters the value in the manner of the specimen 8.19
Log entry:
6.04
